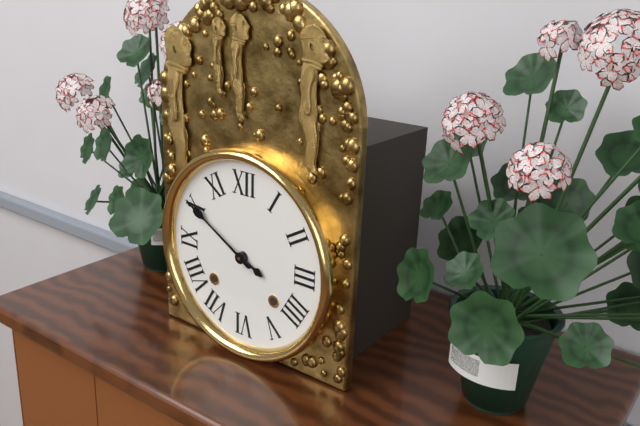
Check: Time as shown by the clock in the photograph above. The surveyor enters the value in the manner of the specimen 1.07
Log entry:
3.50
